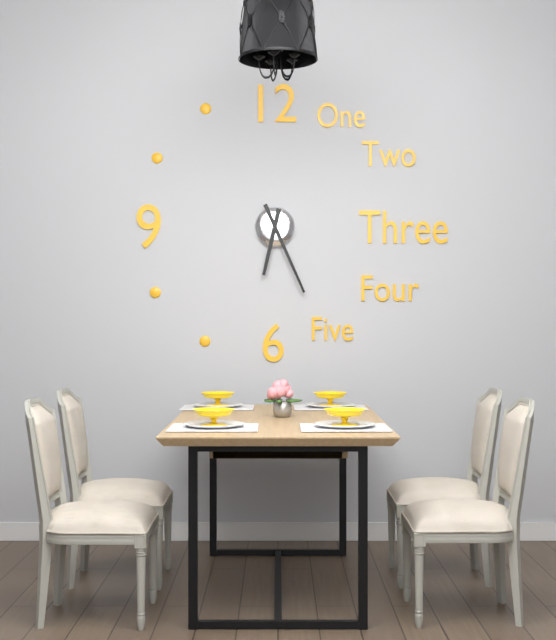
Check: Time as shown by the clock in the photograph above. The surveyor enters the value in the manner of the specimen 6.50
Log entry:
6.26
